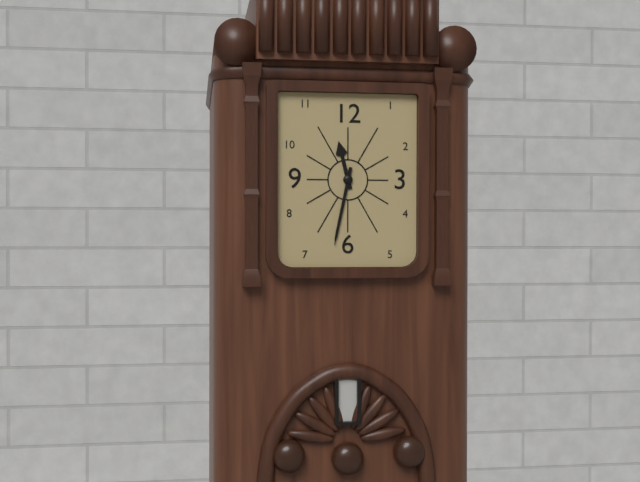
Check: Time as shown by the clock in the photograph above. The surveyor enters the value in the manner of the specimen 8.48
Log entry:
11.32
